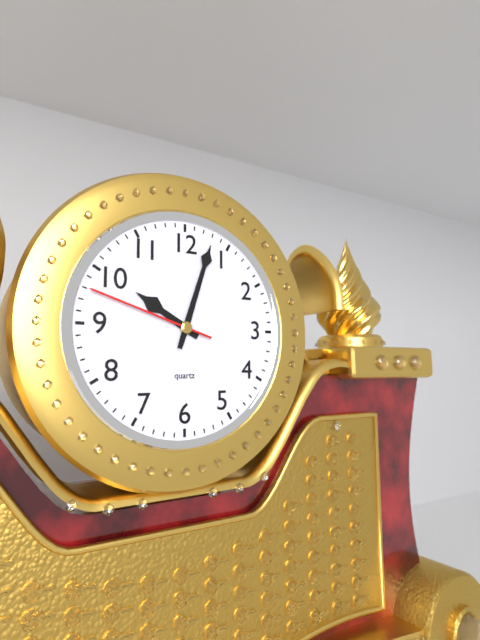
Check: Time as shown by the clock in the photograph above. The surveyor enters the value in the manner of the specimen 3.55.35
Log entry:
10.03.48
